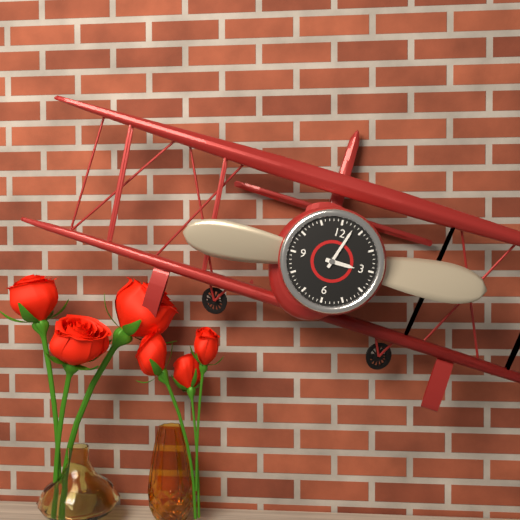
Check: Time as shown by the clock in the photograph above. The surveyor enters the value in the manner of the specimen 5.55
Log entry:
3.03
